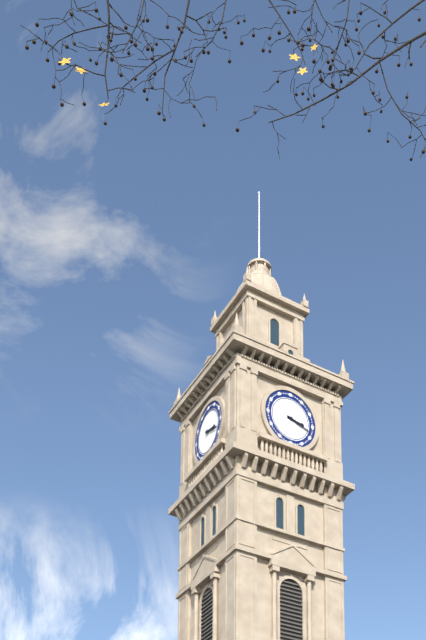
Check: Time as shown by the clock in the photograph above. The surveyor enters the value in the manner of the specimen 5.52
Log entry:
3.18
